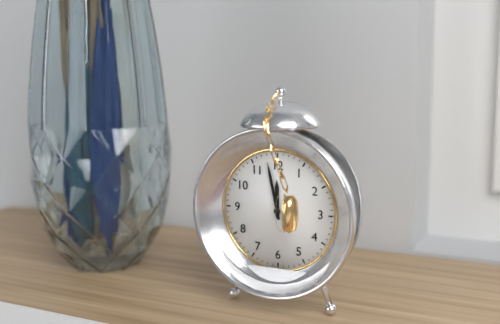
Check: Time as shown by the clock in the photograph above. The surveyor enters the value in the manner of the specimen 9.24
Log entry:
11.58
